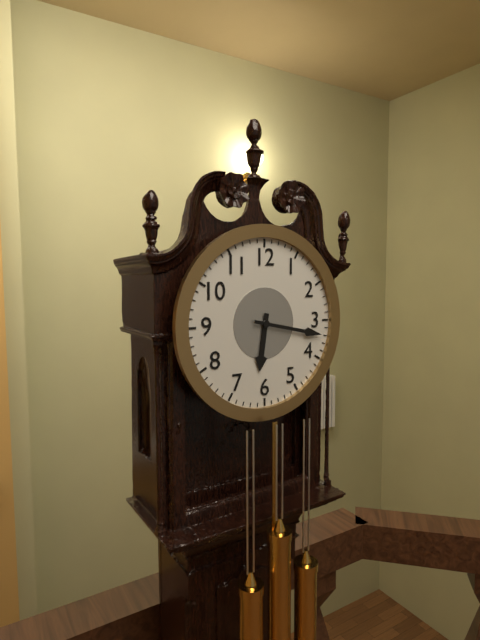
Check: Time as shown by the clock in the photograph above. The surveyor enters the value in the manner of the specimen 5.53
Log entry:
6.17
